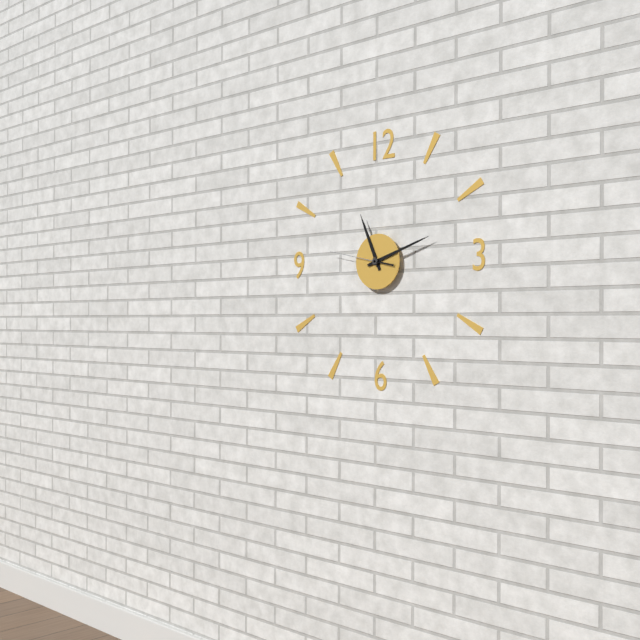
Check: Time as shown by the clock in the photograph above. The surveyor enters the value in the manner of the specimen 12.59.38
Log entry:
11.12.47
